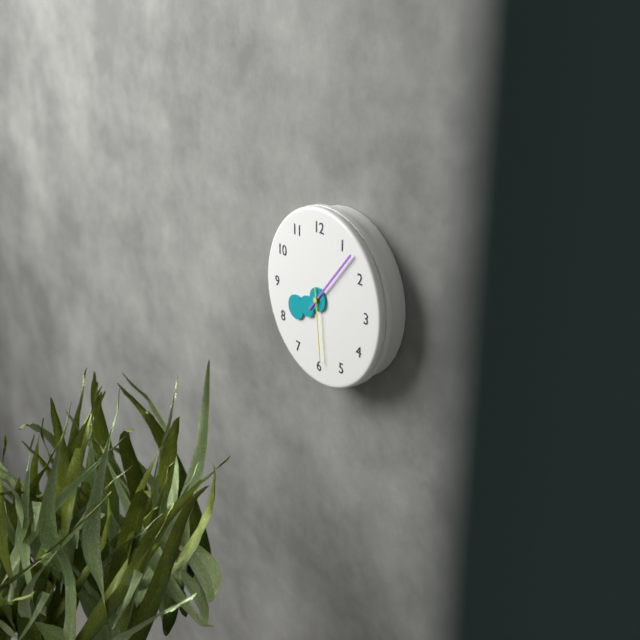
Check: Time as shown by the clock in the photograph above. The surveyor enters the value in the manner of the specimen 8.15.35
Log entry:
8.07.29
